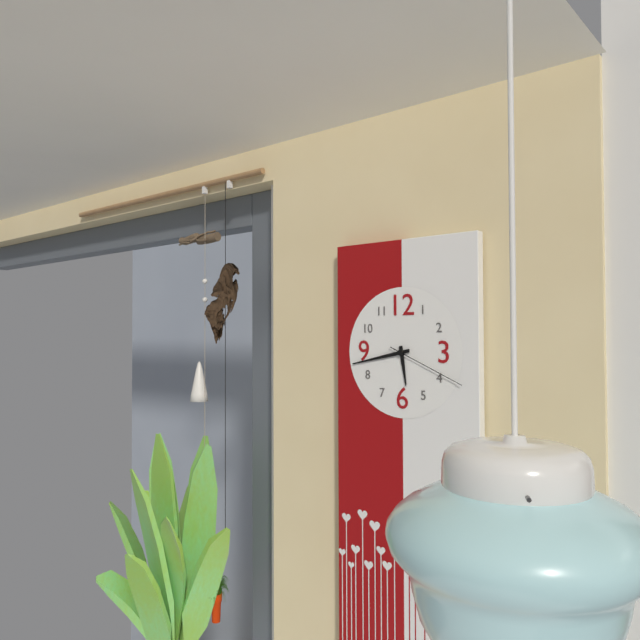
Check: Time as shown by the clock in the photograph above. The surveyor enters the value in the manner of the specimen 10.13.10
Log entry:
5.43.19
